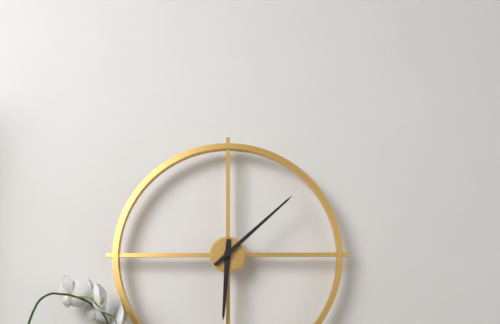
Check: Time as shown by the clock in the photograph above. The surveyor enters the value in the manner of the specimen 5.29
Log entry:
6.08
